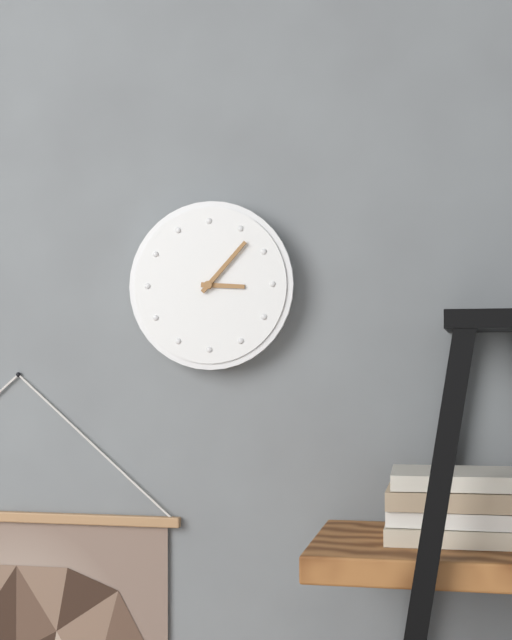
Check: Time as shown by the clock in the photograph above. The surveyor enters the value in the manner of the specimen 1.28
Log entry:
3.07
